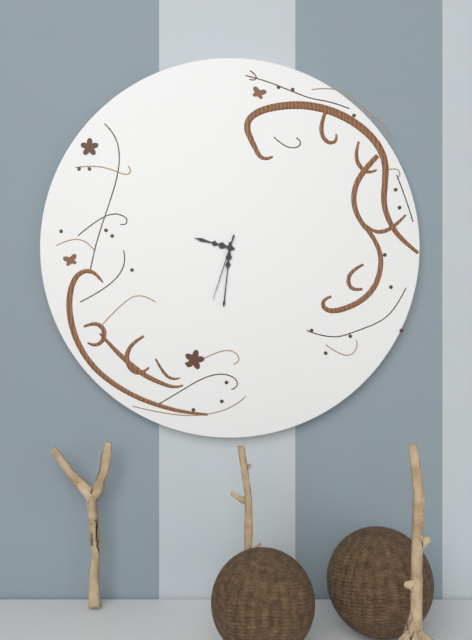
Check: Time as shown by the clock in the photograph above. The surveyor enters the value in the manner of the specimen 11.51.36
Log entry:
9.31.33
